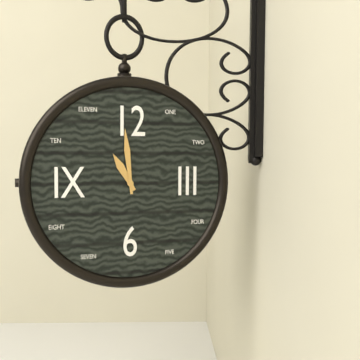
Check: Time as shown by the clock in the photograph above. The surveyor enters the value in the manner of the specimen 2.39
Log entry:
10.59
